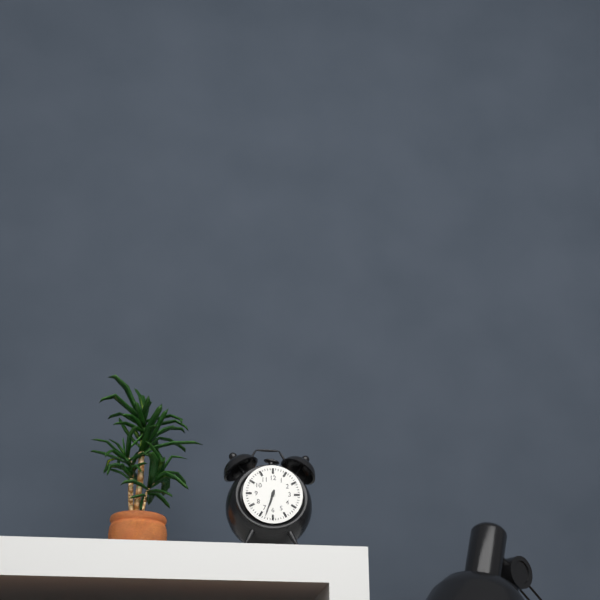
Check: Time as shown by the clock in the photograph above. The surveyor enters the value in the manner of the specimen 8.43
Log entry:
6.33
